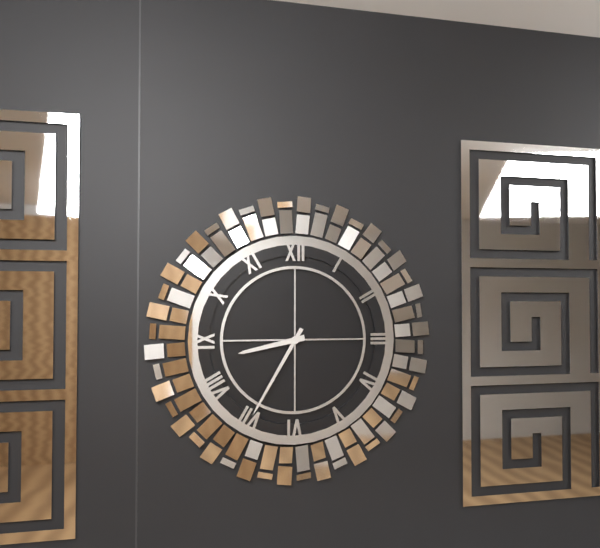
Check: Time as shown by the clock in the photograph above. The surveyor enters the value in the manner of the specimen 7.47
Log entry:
8.35
